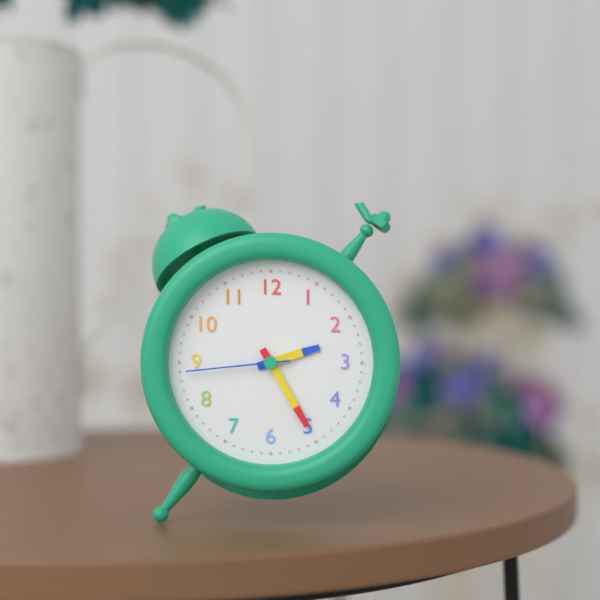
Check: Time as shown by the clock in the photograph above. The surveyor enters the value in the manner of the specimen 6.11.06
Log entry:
2.25.44
